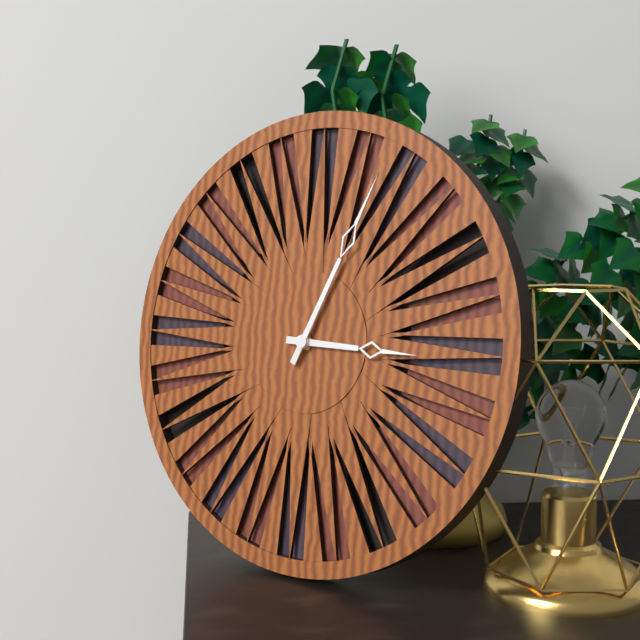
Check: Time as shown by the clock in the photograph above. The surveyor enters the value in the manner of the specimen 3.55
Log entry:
3.04
